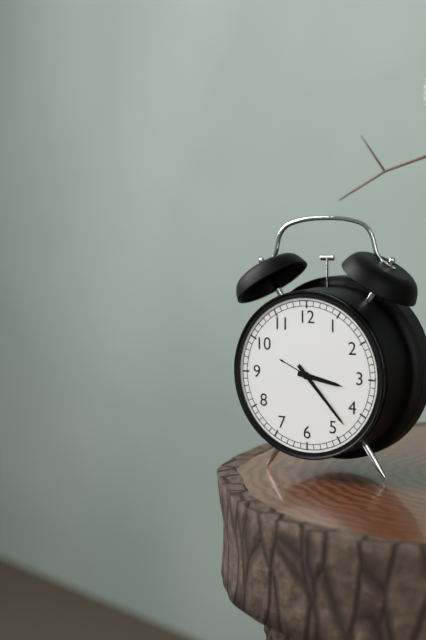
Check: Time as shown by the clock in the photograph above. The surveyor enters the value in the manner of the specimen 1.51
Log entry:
3.23
